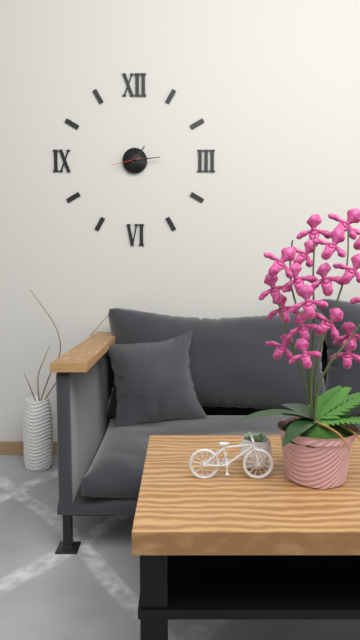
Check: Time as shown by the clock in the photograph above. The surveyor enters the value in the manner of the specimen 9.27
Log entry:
1.14
